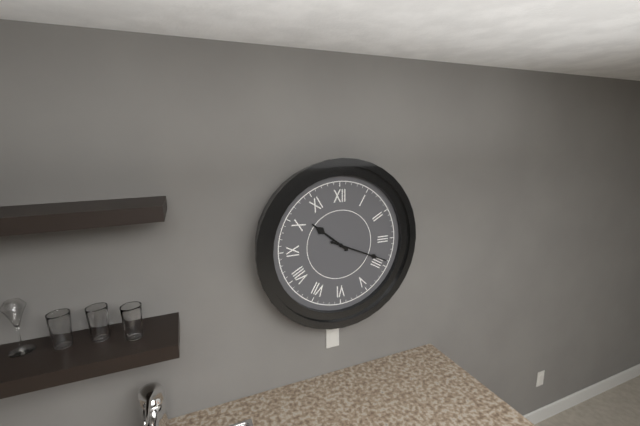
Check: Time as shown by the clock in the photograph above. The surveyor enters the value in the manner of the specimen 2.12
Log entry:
10.19
